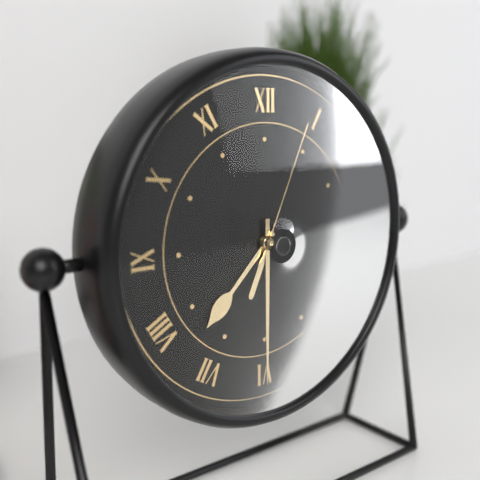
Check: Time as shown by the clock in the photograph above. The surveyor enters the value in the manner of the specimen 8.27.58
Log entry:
7.30.04
